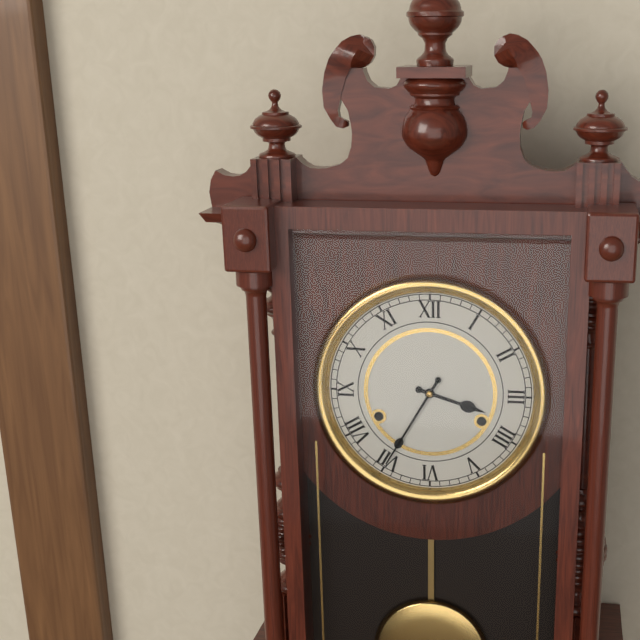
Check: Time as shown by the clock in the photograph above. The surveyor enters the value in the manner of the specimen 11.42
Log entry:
3.35
